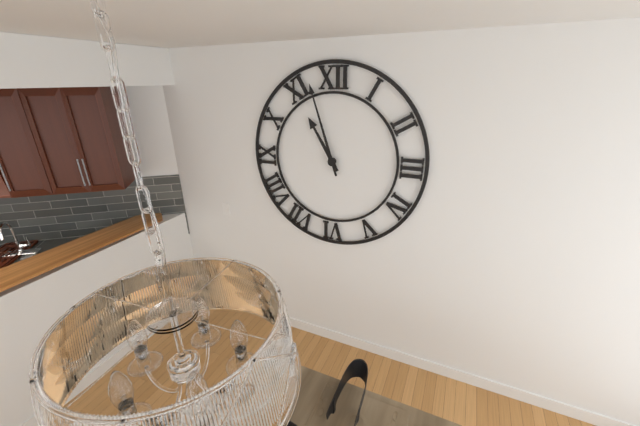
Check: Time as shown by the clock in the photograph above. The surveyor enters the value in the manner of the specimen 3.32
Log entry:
10.57
